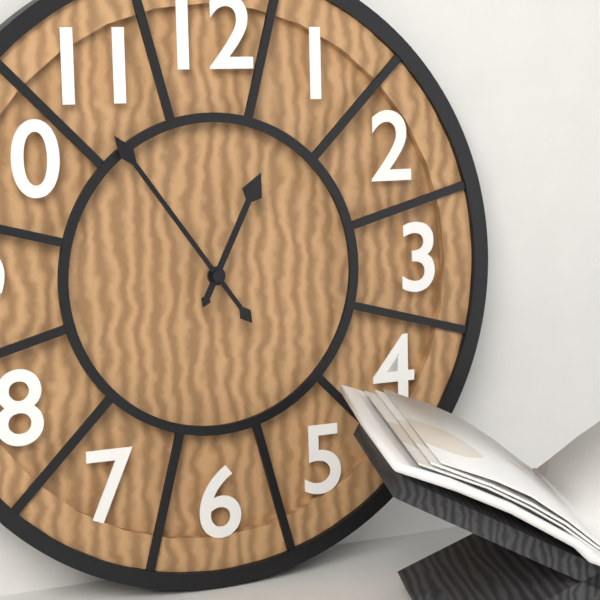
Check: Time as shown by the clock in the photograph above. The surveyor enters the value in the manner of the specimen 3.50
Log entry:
12.54
